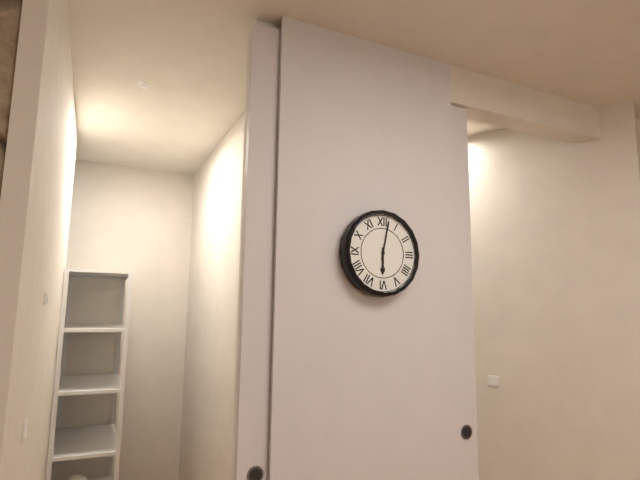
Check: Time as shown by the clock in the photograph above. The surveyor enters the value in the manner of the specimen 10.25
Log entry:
6.02
